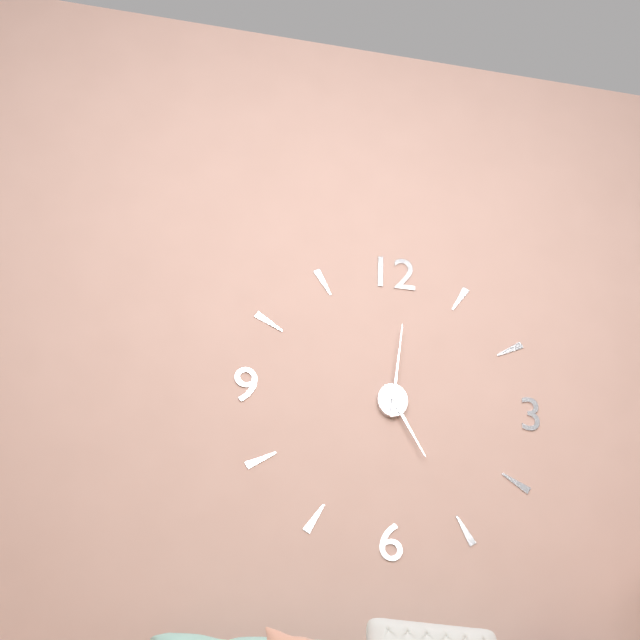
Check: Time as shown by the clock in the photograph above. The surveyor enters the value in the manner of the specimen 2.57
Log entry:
5.01
